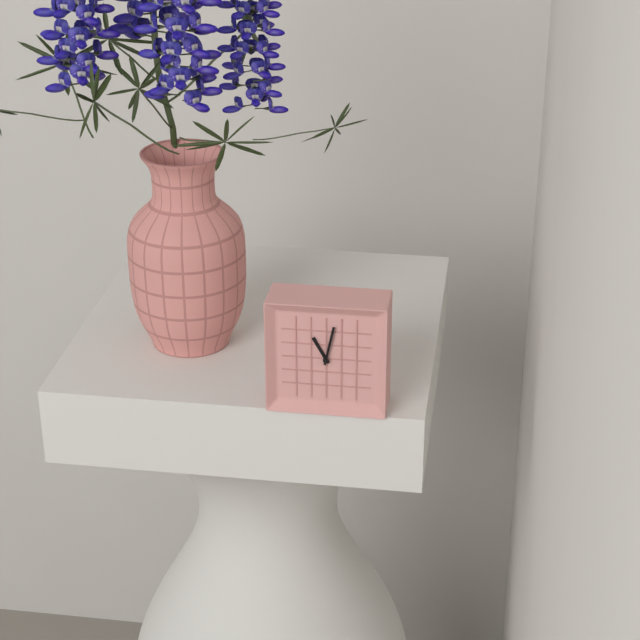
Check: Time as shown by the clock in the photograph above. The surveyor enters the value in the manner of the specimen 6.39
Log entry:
11.02
